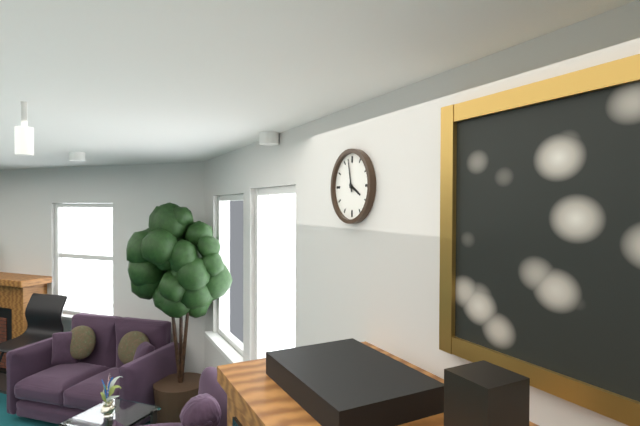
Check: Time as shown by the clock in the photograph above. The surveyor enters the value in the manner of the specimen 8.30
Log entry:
3.58
